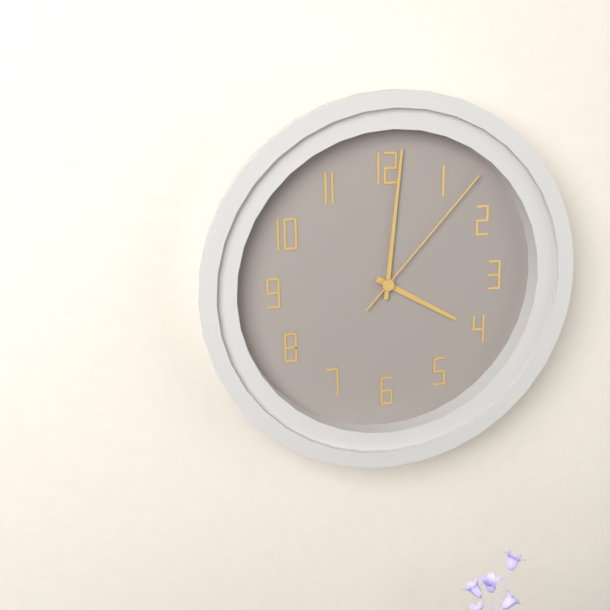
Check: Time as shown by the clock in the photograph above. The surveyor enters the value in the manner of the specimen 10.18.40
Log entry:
4.01.07
